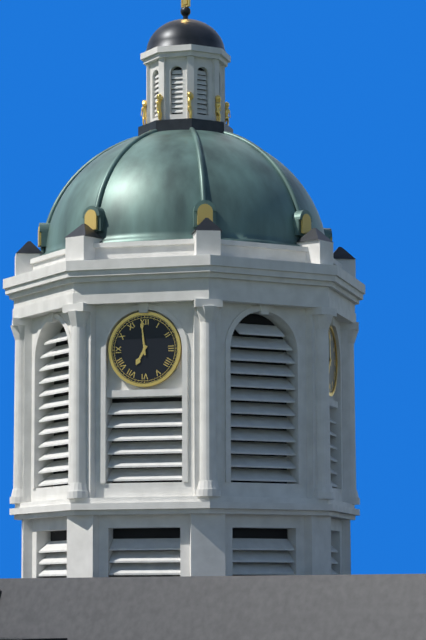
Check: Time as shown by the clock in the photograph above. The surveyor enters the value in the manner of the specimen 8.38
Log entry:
6.59
